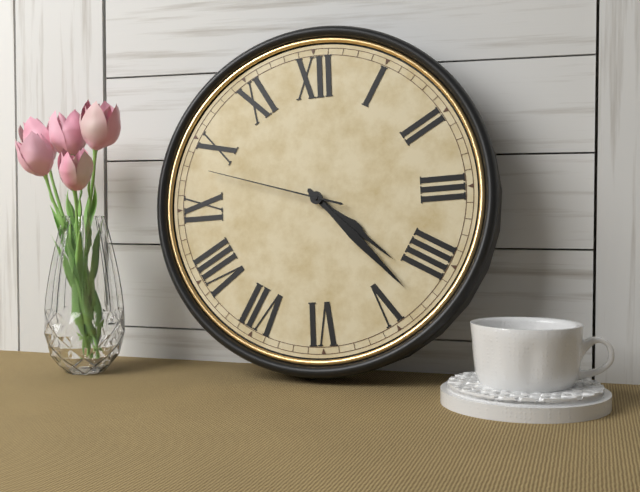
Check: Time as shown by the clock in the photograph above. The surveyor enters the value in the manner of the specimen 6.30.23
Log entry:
4.23.48
